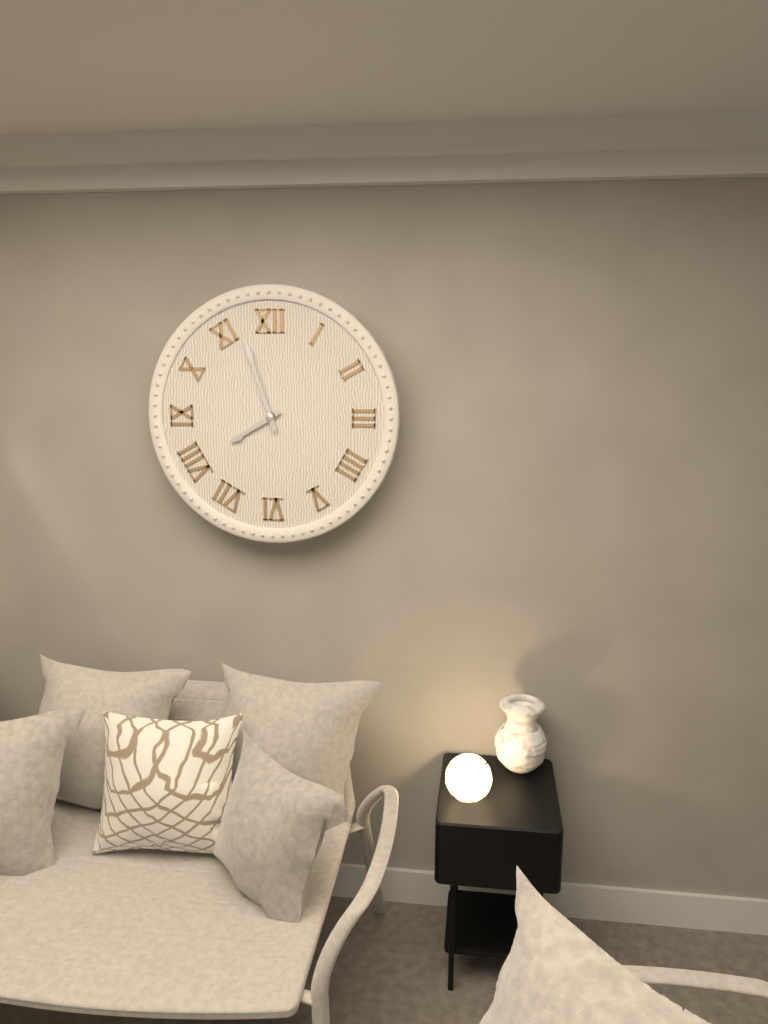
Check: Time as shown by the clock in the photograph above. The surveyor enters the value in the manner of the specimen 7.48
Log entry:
7.57
